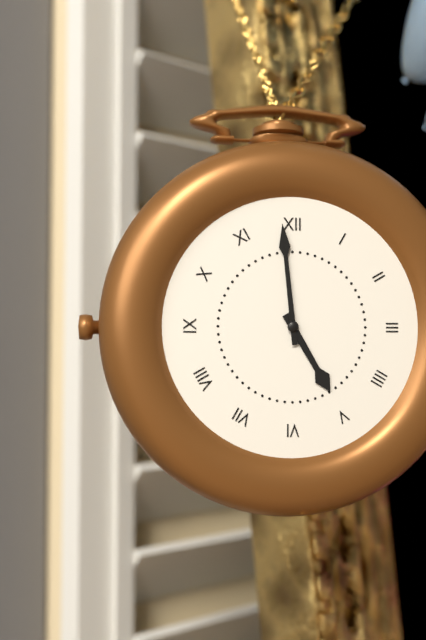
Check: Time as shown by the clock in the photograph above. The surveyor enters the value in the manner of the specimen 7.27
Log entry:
4.59
